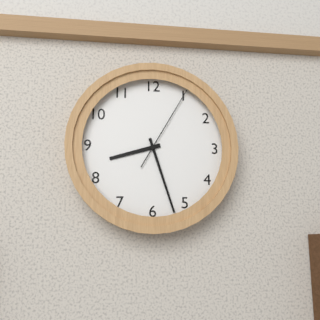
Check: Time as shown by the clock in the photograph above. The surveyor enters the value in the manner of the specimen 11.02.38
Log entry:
8.27.05
